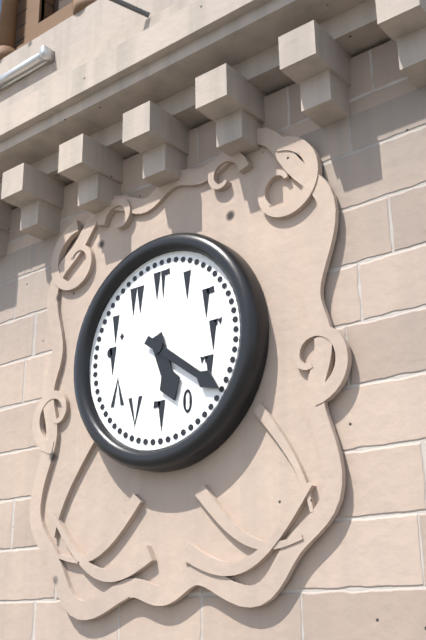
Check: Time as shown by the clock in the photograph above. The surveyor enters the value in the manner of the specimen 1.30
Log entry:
5.21
